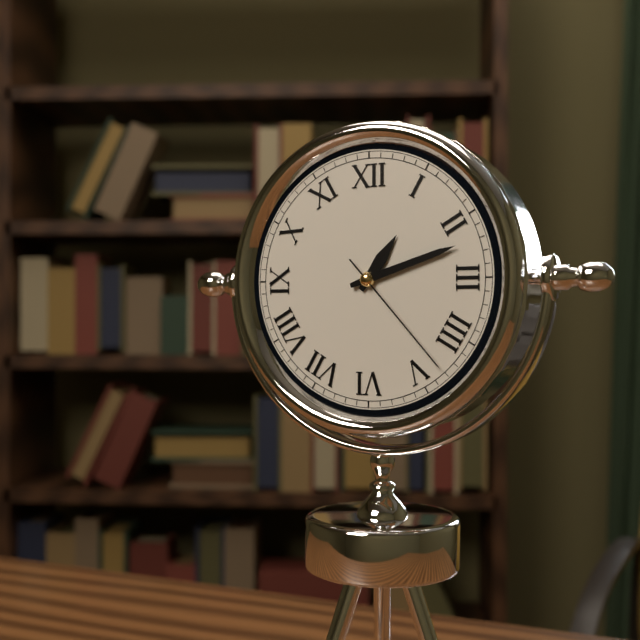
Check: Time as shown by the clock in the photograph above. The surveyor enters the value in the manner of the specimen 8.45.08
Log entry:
1.12.23
